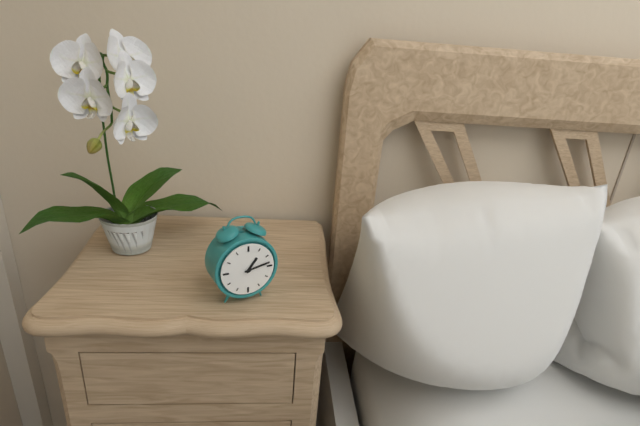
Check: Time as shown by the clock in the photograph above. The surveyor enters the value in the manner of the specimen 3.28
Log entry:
1.13
